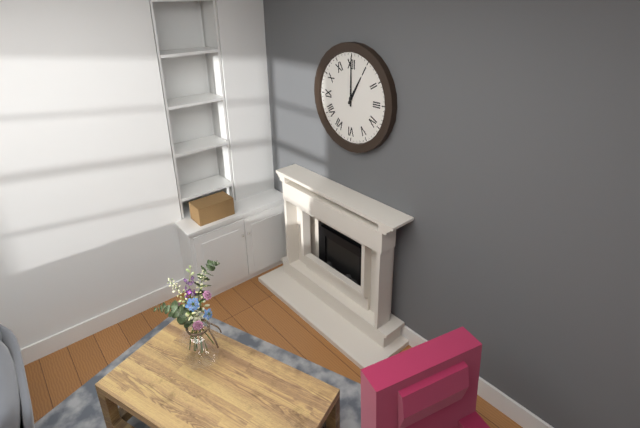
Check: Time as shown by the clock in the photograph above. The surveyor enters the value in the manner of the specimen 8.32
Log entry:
1.00
